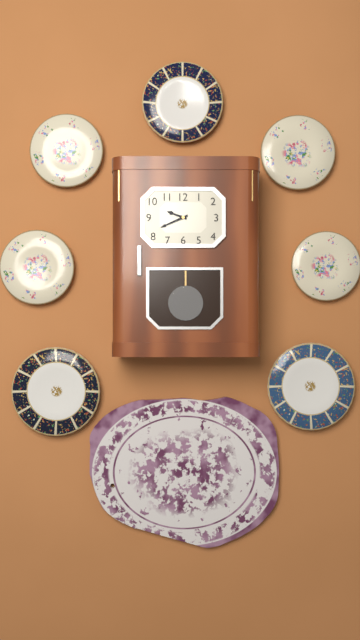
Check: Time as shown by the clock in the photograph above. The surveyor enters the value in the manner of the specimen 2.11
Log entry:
9.41
